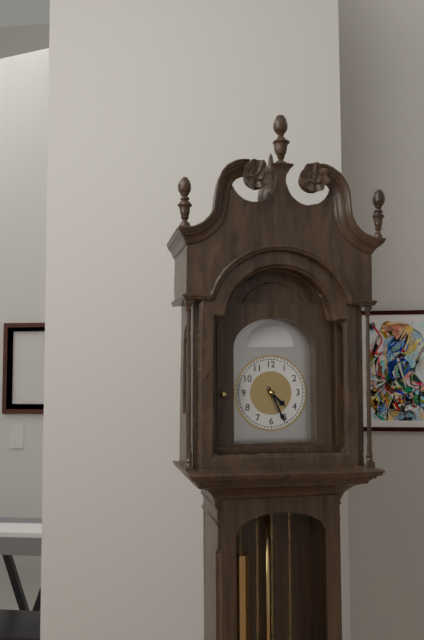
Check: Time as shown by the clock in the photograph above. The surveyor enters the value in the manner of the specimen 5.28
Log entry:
4.26
